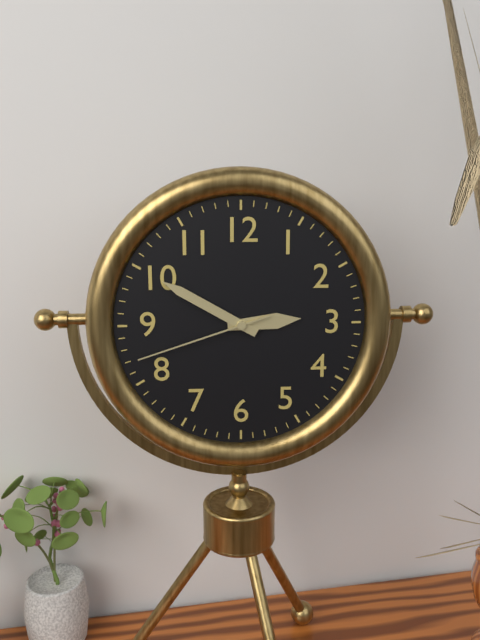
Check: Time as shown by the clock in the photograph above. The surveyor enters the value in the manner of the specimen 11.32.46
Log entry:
2.50.42
